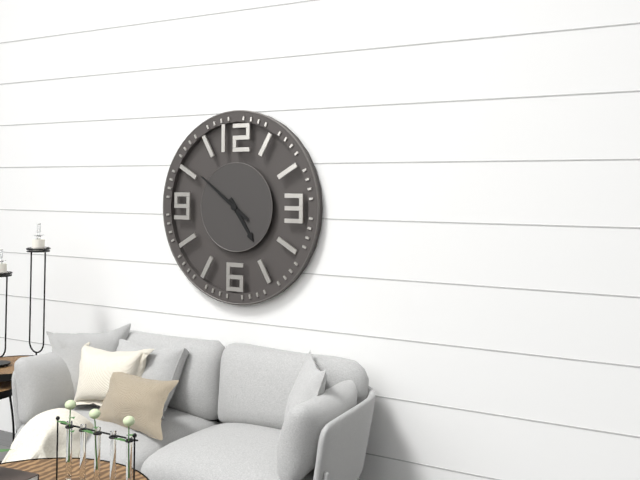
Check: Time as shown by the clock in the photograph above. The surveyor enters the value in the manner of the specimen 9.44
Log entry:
4.51
